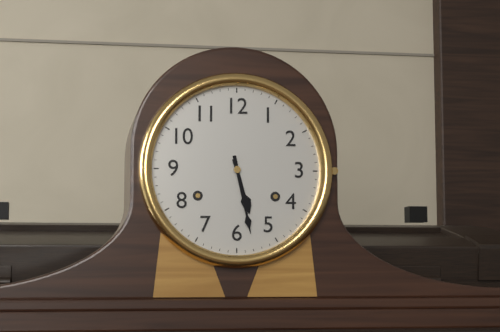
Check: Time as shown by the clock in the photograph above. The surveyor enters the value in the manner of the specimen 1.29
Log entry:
5.28
